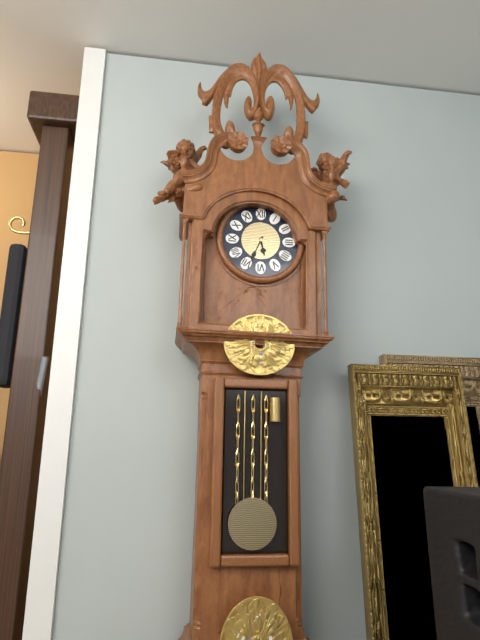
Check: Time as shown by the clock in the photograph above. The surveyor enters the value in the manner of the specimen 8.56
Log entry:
5.34
